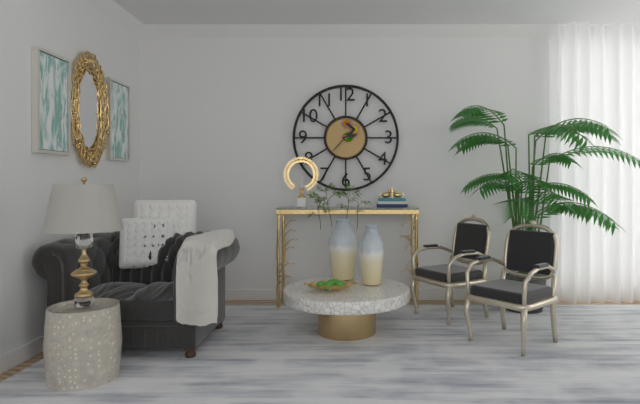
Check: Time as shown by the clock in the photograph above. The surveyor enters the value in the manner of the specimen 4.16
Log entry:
2.37
